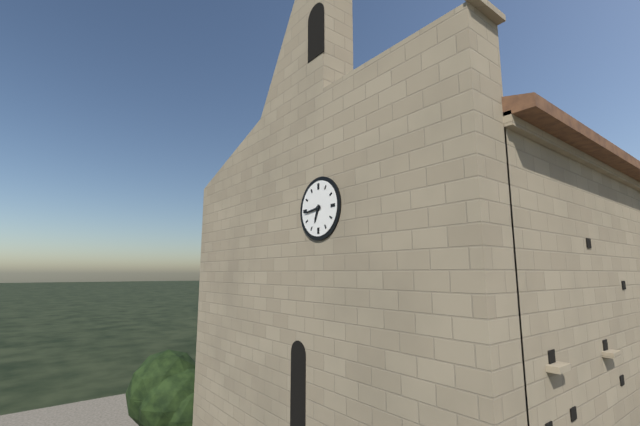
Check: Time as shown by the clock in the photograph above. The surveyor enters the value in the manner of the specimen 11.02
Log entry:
6.44
